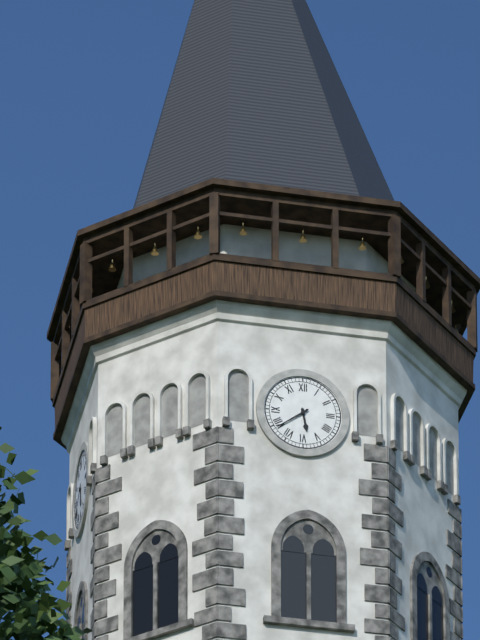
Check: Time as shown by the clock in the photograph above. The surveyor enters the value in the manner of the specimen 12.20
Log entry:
5.39
